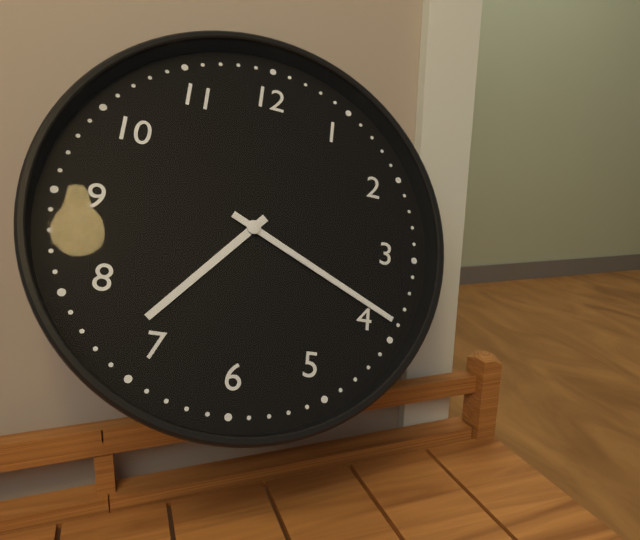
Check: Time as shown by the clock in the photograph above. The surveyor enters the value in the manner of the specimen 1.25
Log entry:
7.19
